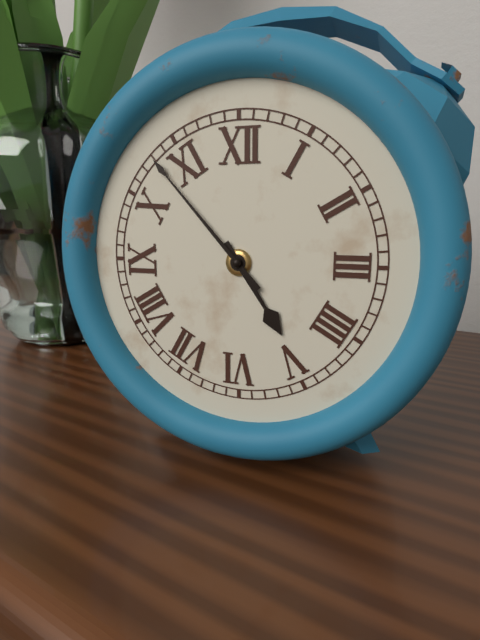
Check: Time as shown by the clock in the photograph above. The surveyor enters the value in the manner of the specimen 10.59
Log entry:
4.53
